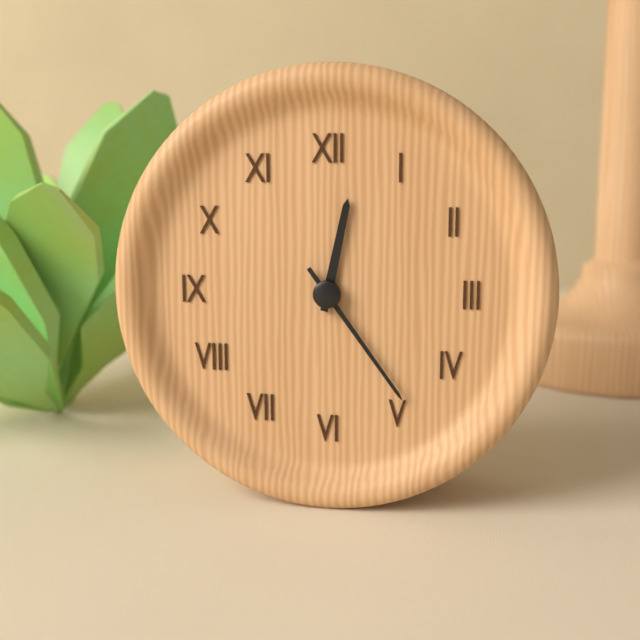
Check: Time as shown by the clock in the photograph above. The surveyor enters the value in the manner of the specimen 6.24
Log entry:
12.24
